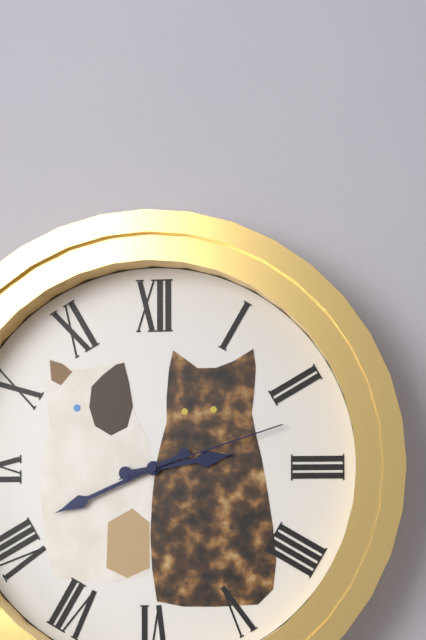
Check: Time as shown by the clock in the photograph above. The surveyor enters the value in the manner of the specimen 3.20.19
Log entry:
2.41.12
